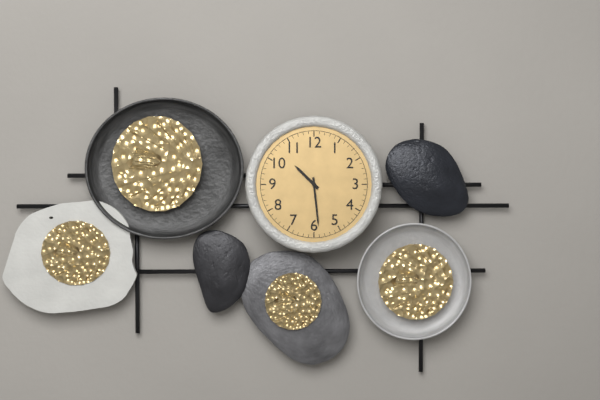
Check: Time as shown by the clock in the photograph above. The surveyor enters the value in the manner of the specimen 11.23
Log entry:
10.29
